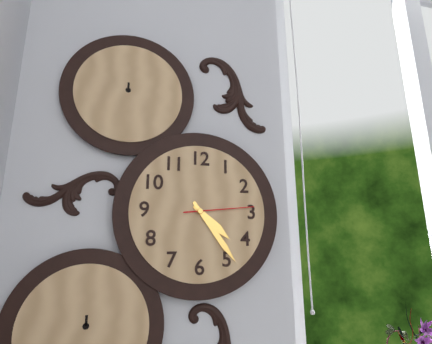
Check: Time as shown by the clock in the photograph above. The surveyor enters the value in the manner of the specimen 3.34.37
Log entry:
4.24.14
